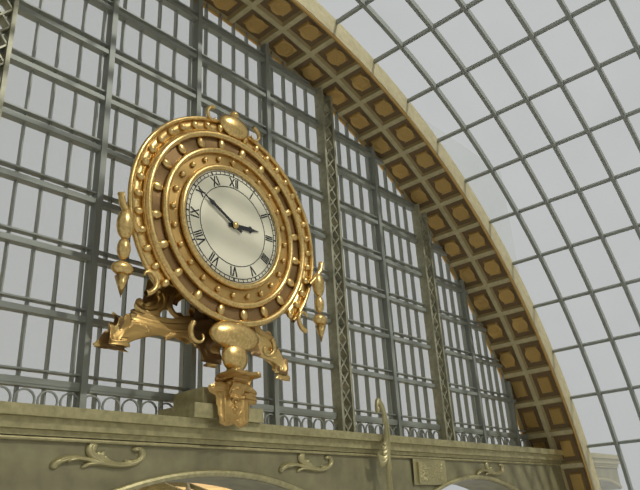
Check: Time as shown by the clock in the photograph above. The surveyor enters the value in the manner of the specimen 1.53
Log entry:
2.50
